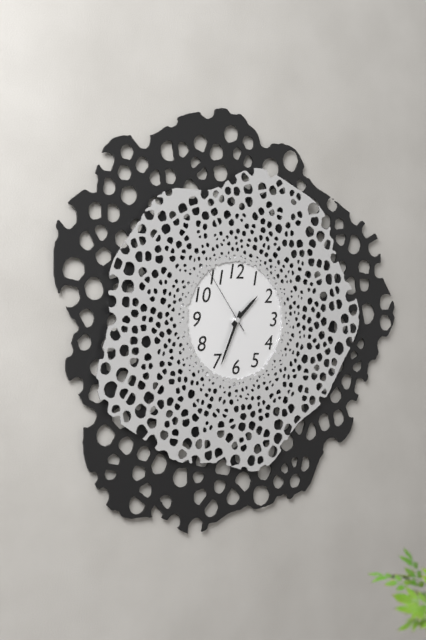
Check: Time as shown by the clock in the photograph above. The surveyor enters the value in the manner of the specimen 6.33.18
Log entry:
1.34.54
